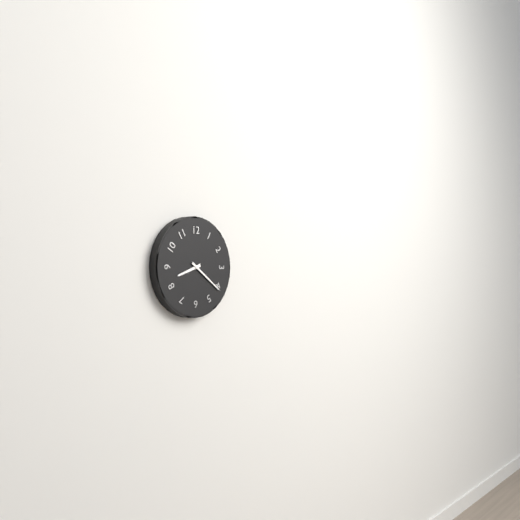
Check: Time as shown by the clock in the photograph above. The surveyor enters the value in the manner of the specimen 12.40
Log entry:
8.21
